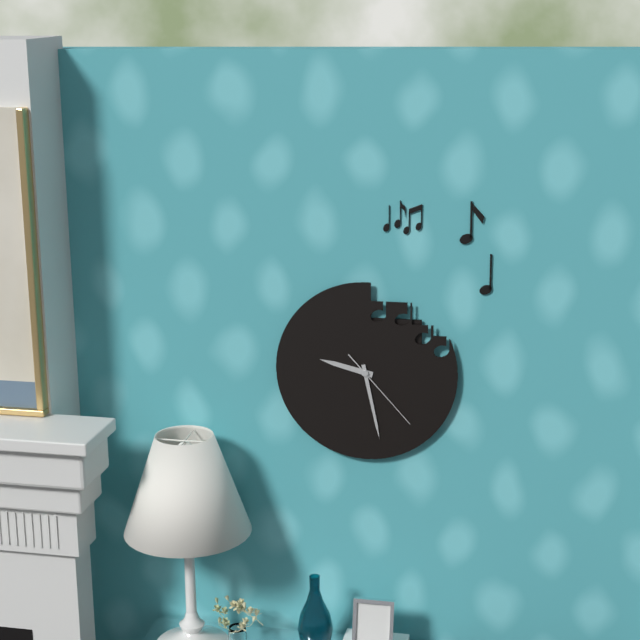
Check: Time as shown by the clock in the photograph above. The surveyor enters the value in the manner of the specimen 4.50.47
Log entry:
9.28.23
